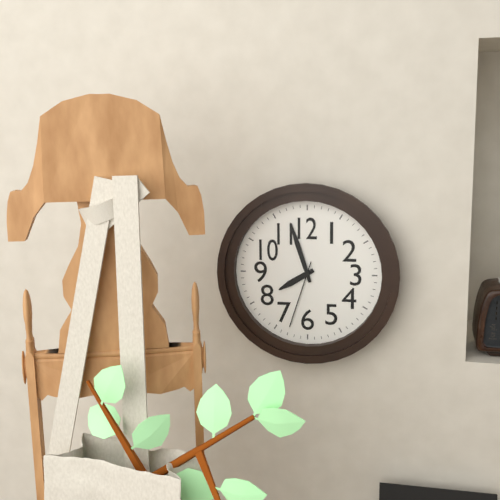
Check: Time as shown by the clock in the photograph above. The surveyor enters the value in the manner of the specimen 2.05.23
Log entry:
7.57.33
